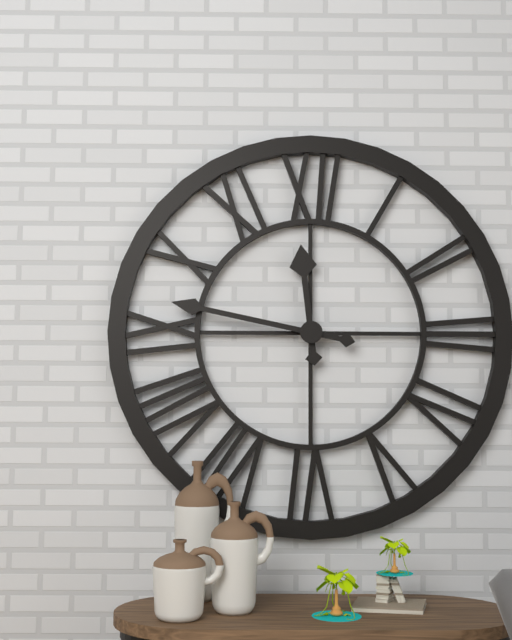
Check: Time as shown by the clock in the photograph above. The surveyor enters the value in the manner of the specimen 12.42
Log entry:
11.47
